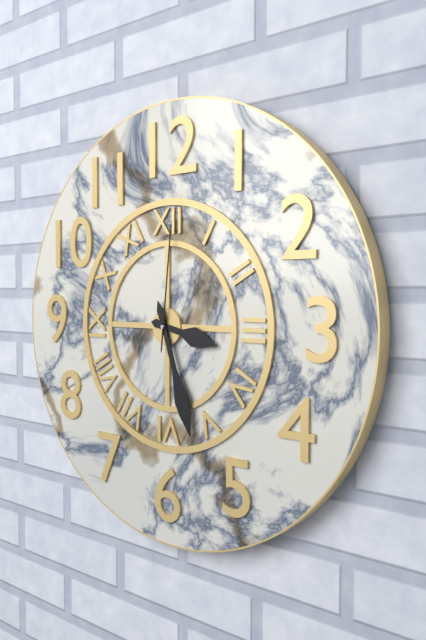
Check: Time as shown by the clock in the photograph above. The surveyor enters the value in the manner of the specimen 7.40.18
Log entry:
3.27.01
